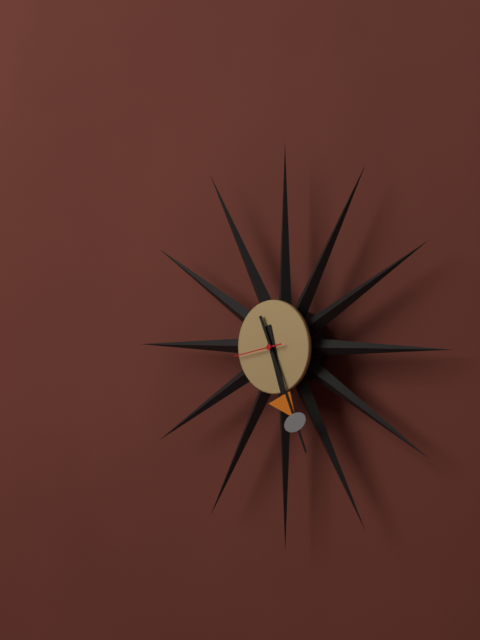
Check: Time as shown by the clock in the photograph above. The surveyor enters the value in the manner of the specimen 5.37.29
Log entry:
5.26.43
